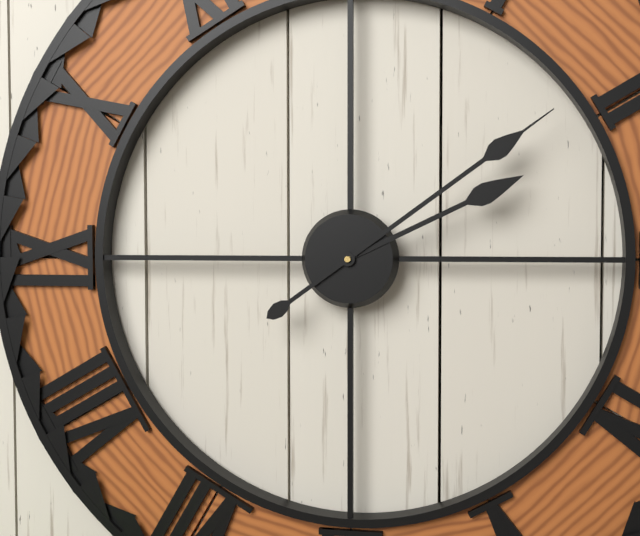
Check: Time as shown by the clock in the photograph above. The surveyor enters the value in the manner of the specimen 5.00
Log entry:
2.09
